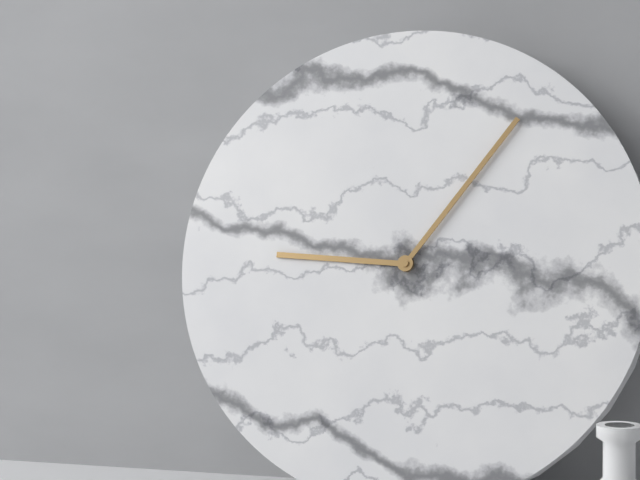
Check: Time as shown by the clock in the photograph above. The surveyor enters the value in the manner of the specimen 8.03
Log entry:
9.06
